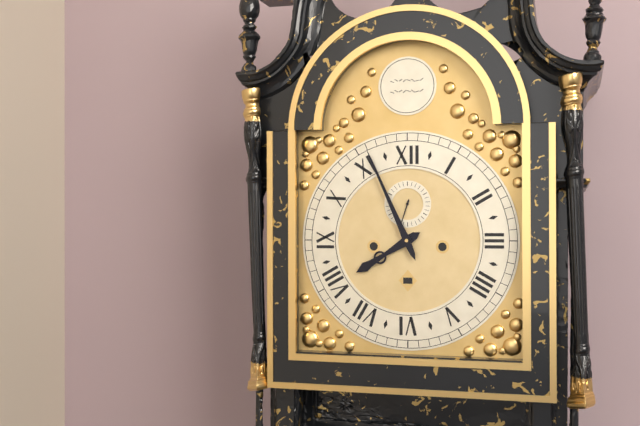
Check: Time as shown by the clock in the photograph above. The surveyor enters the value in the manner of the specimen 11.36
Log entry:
7.56
